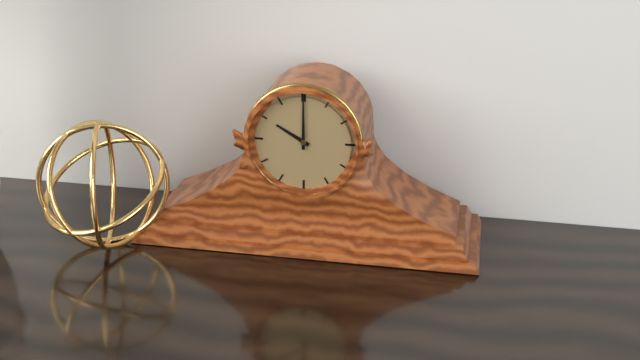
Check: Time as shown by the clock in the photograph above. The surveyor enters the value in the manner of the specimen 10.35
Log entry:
10.00
